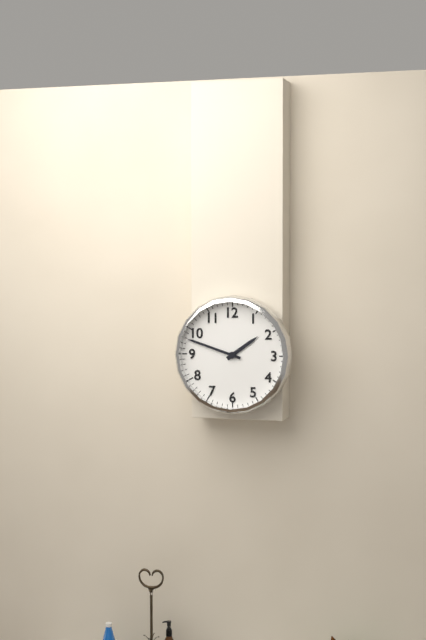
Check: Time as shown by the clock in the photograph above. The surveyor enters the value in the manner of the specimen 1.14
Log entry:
1.48
